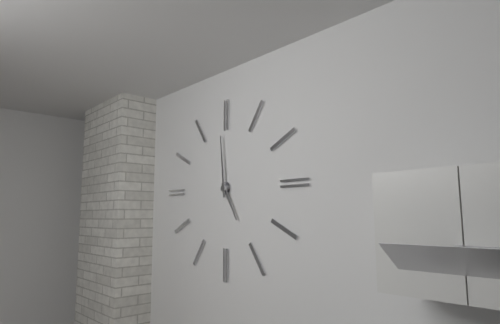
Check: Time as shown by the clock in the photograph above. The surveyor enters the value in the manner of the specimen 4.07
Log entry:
4.59
